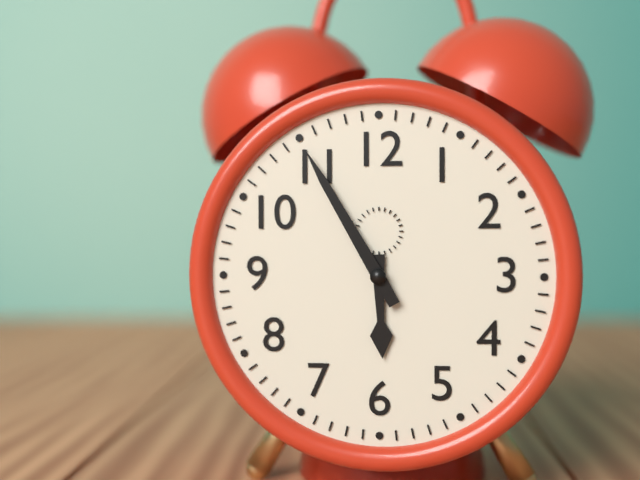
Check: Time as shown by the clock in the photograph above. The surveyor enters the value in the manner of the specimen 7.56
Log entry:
5.55
